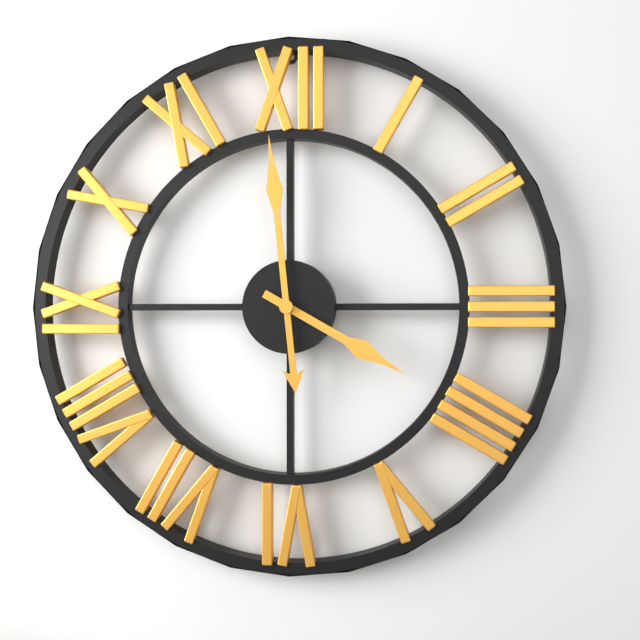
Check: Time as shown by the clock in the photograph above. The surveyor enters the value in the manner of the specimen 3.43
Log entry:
3.59
